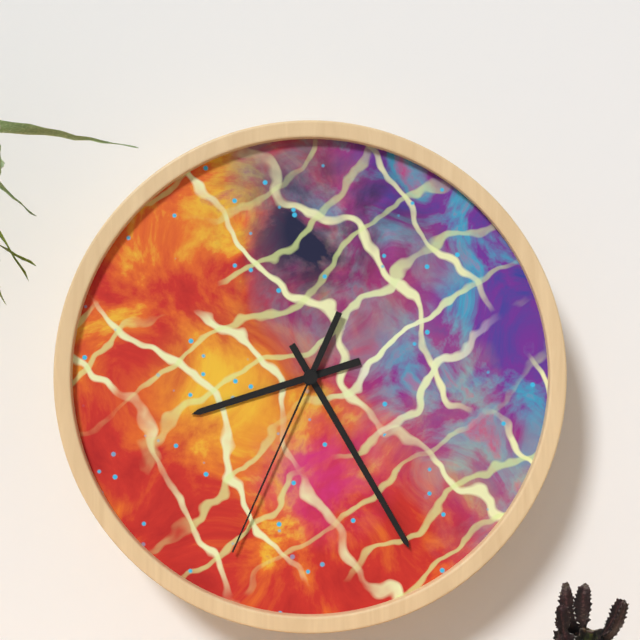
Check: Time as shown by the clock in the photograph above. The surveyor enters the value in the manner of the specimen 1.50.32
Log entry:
8.25.34
